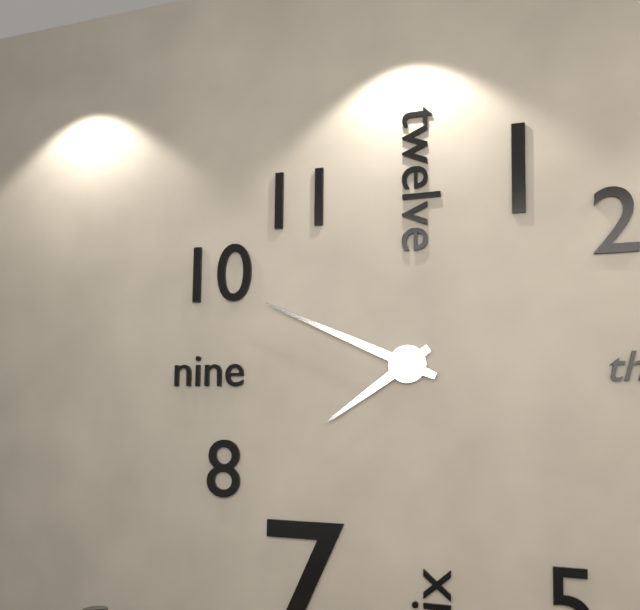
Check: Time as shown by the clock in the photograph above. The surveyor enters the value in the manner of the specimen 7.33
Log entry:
7.49
